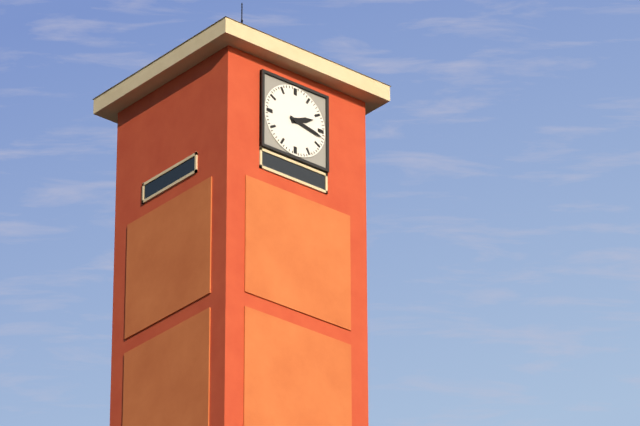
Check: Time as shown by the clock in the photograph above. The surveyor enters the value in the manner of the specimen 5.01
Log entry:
2.17
